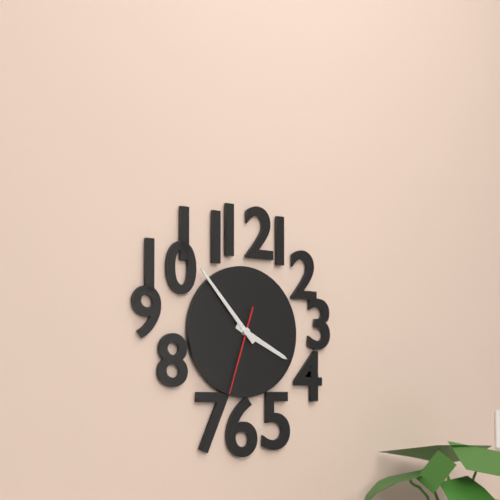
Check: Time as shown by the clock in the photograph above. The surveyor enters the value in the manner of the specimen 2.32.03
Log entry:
3.53.33
